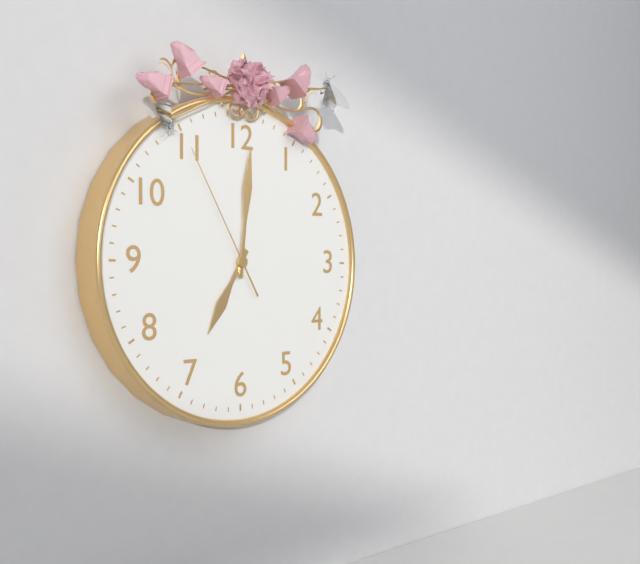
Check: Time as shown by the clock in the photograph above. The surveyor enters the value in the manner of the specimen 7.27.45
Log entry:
7.01.55
